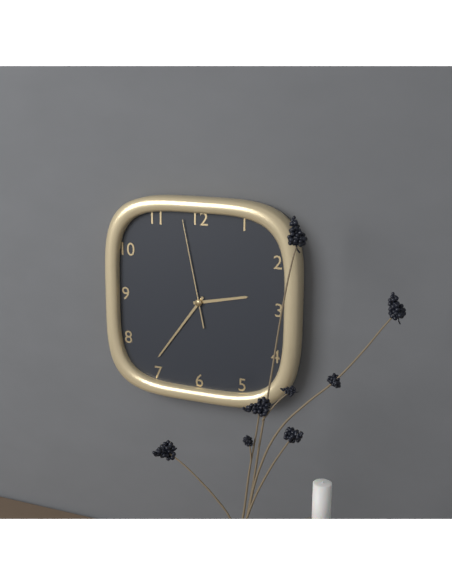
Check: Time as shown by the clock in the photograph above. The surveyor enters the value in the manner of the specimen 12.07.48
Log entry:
2.36.58
